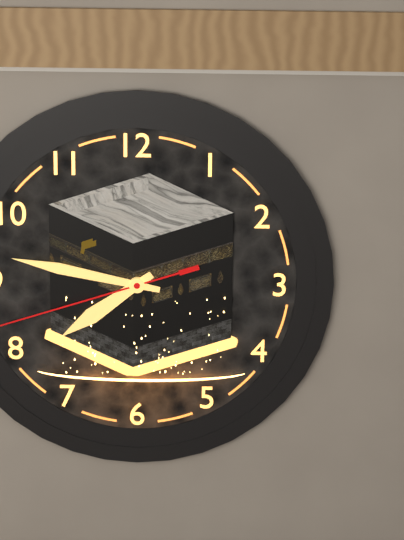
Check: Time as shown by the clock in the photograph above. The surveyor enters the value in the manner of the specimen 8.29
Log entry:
7.47
